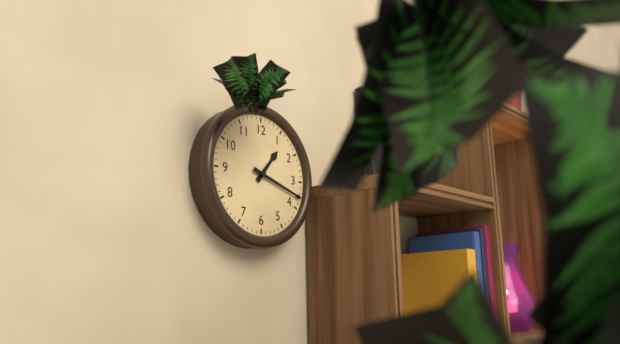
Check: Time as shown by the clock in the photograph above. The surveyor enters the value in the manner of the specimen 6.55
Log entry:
1.18
